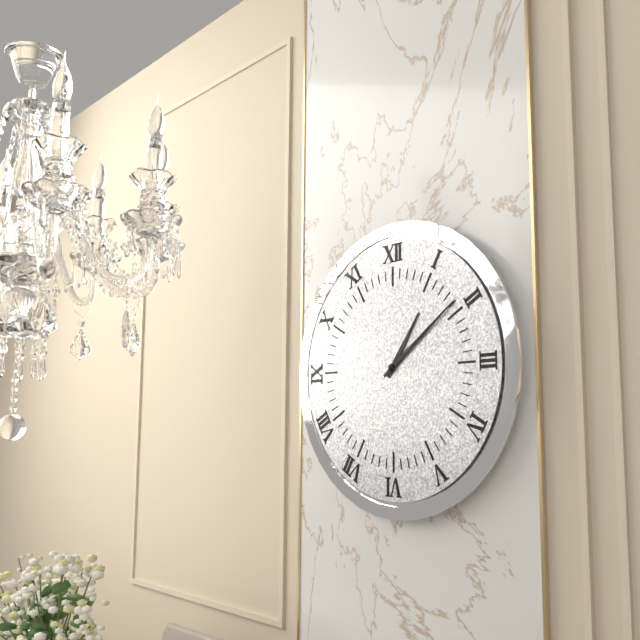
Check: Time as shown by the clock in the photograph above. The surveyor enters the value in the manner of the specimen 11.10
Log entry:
1.09
